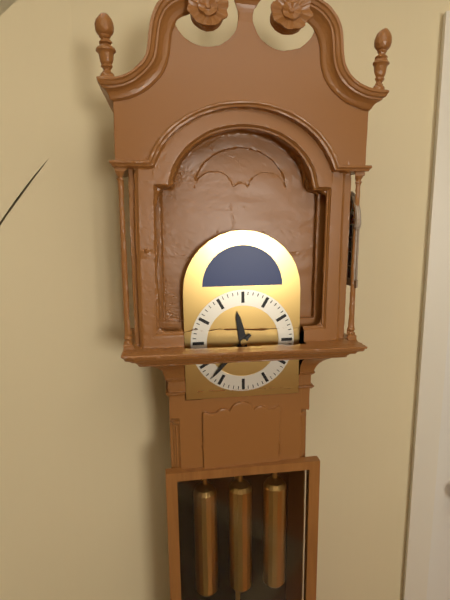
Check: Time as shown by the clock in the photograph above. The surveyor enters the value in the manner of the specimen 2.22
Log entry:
11.37
